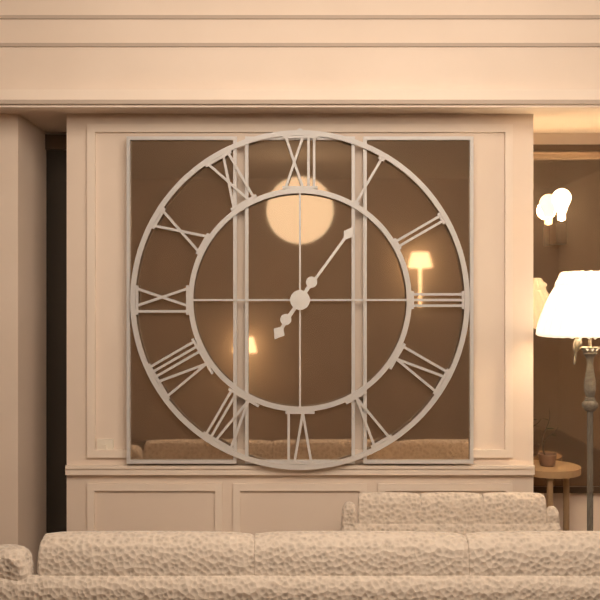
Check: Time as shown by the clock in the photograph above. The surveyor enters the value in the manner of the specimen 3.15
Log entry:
7.06
